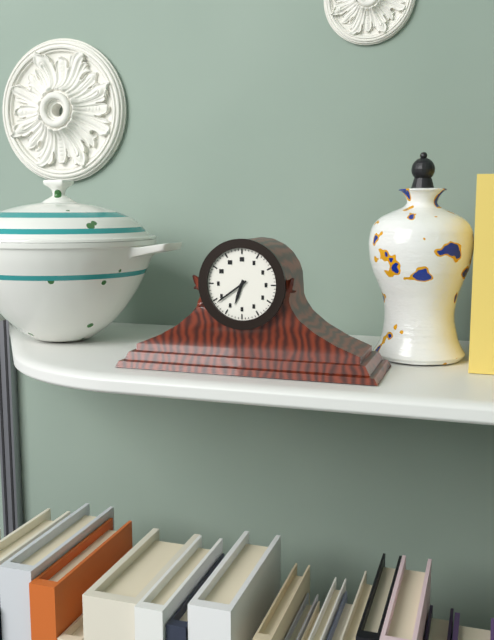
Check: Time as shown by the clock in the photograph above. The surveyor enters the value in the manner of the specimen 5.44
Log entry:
6.39
